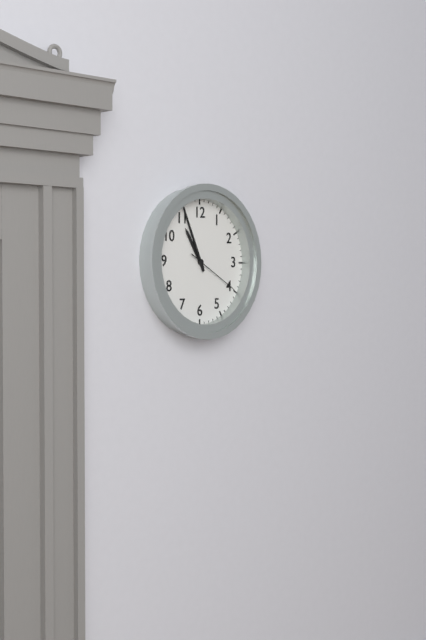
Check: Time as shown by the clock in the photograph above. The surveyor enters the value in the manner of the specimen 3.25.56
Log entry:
10.56.20
